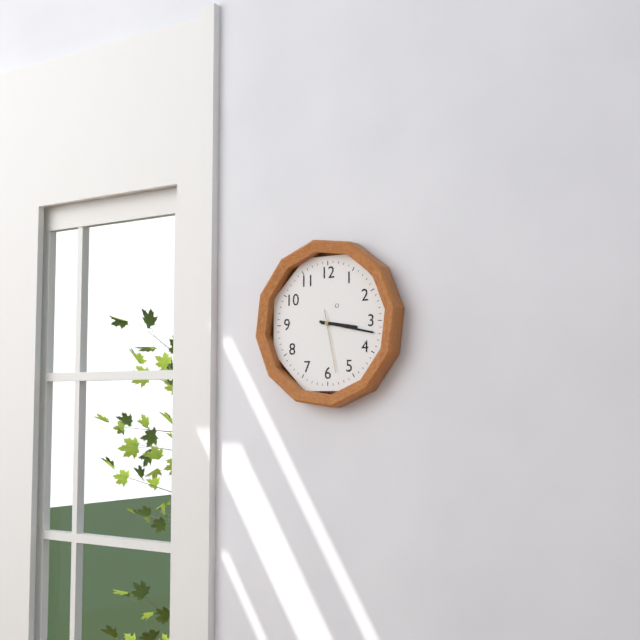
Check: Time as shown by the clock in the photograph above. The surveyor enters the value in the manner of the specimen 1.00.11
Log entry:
3.17.28
